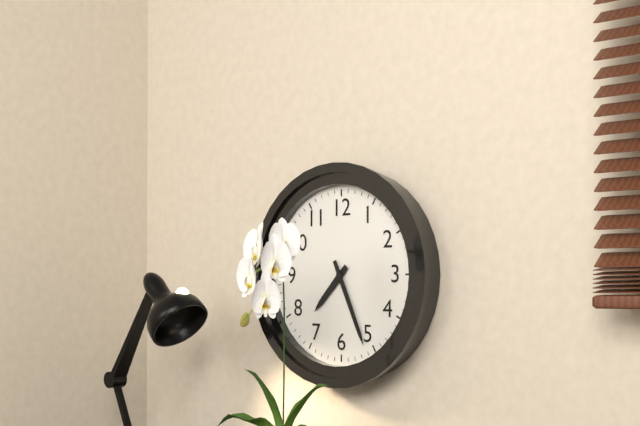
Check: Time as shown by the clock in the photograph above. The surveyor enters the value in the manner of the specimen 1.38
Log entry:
7.26
